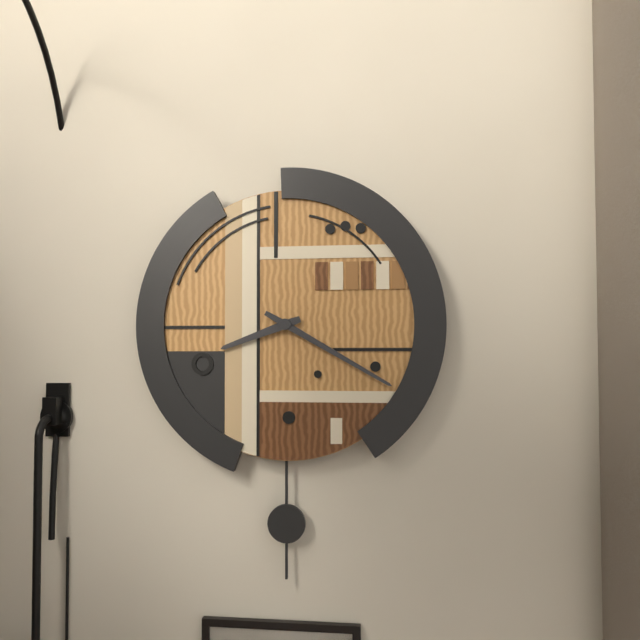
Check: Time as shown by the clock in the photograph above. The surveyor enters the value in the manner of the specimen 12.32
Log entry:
8.20
